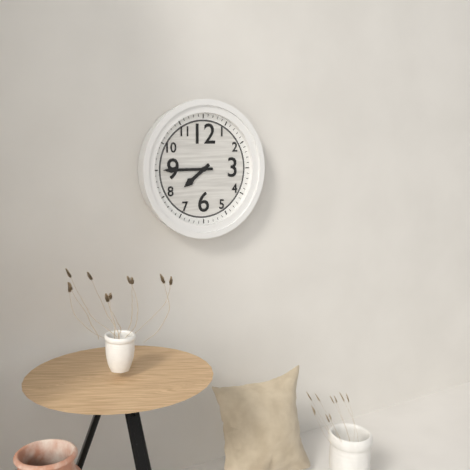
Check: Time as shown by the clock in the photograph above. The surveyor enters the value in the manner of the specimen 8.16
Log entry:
7.45
